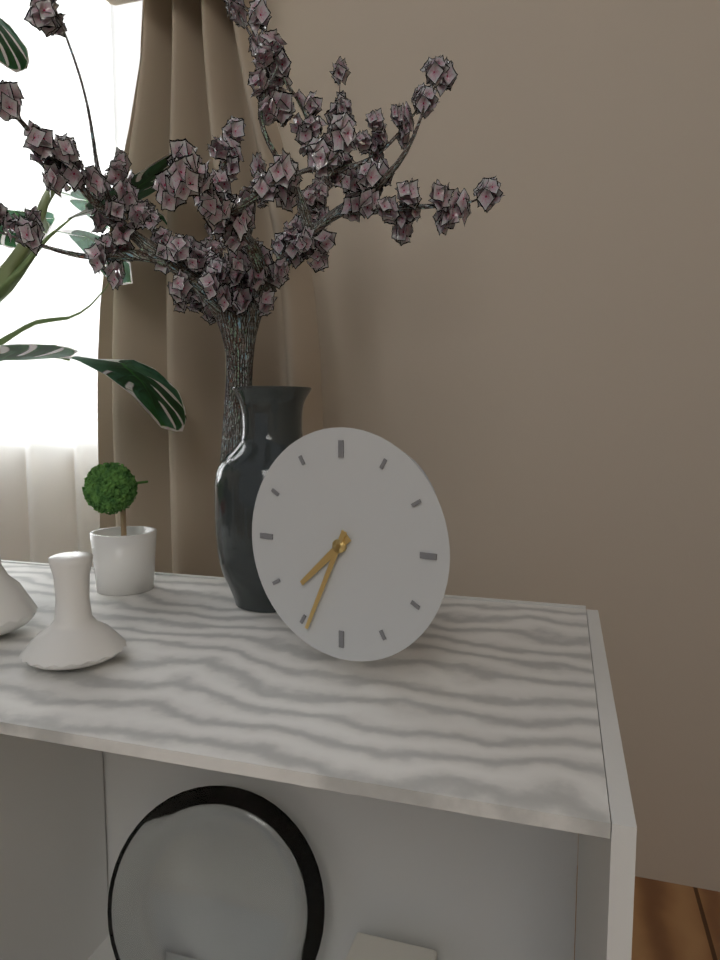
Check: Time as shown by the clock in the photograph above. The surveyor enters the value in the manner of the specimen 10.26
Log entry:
7.34
